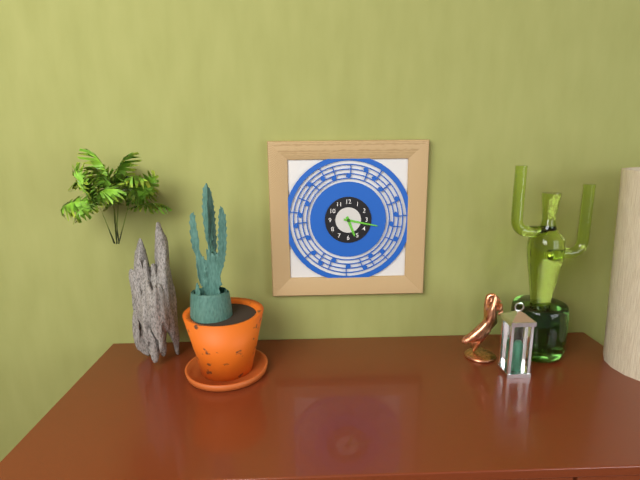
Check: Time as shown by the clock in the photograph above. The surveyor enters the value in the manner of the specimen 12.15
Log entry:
5.17
